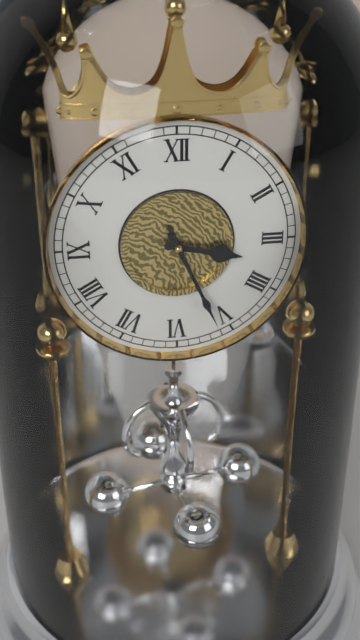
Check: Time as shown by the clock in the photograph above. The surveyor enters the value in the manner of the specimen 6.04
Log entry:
3.26
